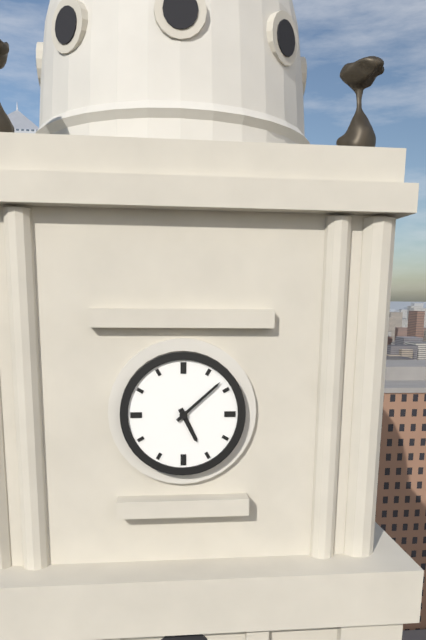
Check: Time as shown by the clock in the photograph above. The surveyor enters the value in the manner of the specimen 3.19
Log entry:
5.08
